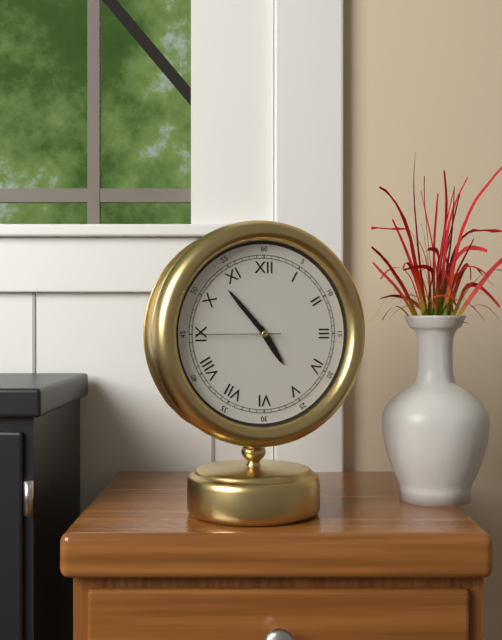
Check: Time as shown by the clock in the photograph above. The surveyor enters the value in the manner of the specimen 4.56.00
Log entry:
4.53.45
